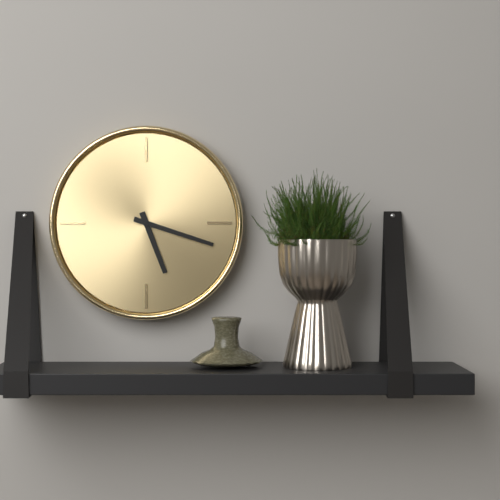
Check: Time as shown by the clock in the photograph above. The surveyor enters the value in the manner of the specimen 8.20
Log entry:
5.18
